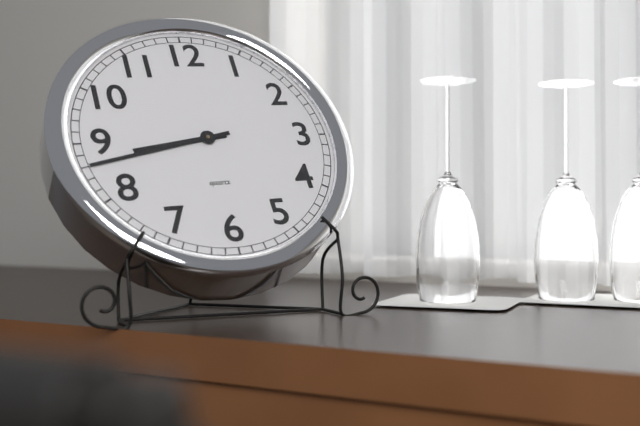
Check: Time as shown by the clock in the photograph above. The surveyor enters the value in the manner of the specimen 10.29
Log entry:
8.43
